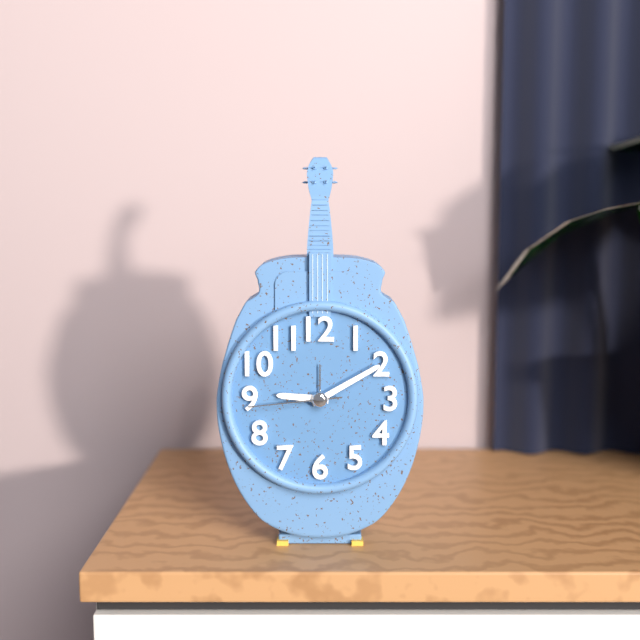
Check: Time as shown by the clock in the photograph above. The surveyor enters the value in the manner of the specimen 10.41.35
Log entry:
9.10.44
